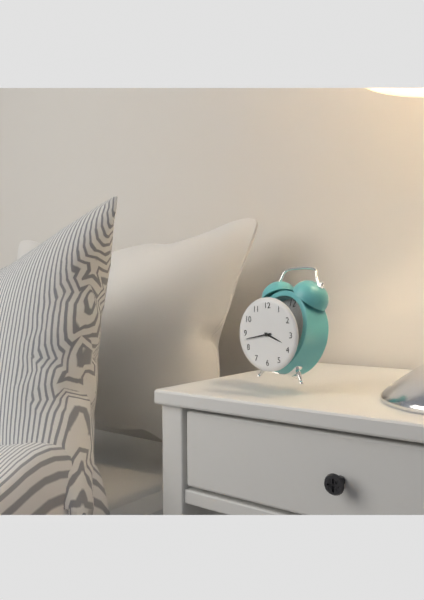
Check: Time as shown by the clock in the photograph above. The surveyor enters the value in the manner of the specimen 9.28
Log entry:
3.43
